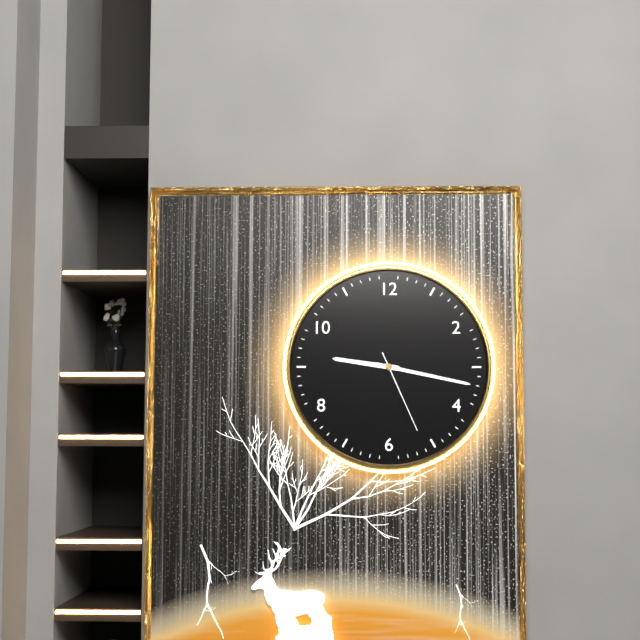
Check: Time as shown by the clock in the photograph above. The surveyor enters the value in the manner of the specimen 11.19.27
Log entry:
9.17.26
